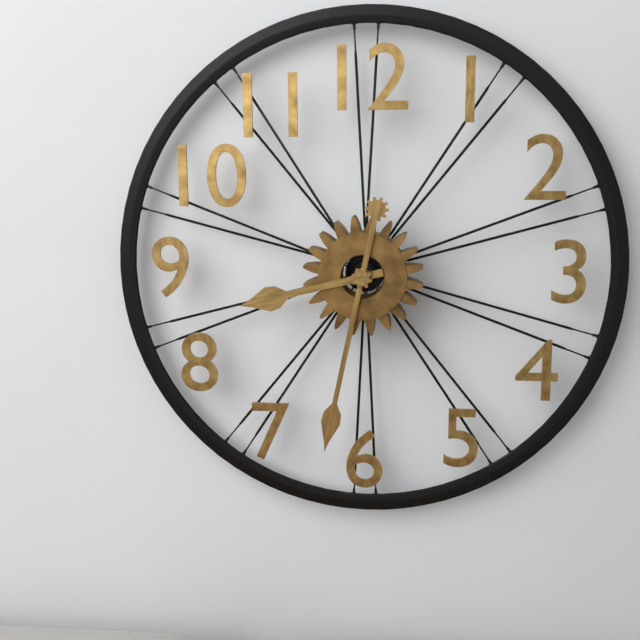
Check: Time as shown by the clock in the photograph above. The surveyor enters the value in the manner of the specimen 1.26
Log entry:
8.32
